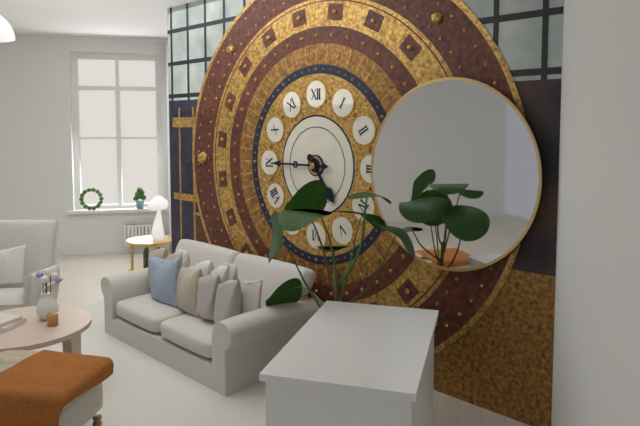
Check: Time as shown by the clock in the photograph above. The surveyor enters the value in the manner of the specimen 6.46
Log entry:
4.45
